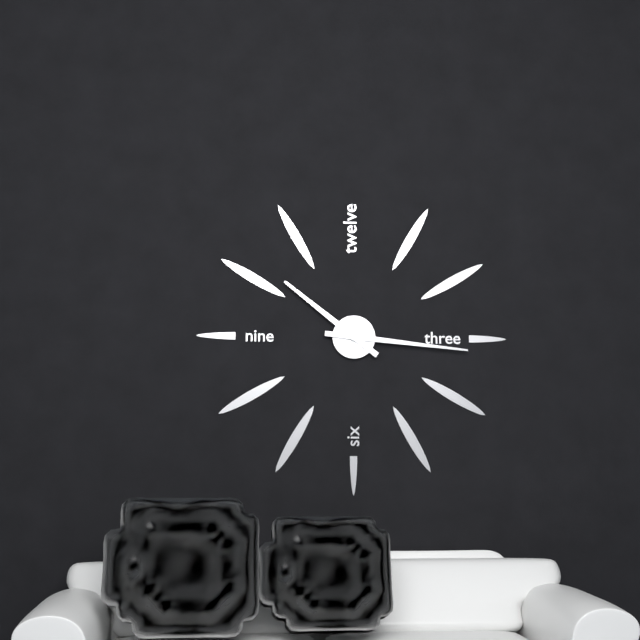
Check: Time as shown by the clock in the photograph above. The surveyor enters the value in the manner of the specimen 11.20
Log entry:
10.16
